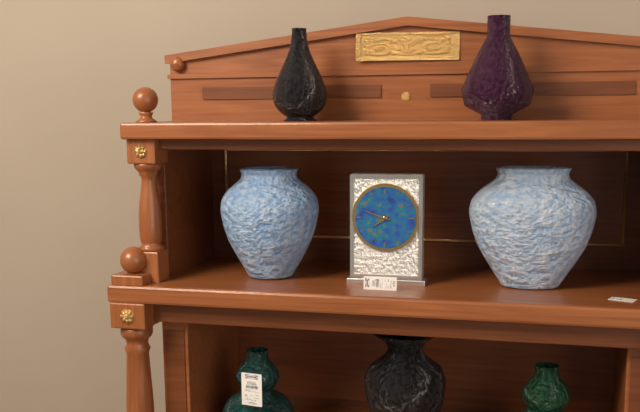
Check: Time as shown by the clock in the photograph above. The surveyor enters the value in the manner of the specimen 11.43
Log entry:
7.48
